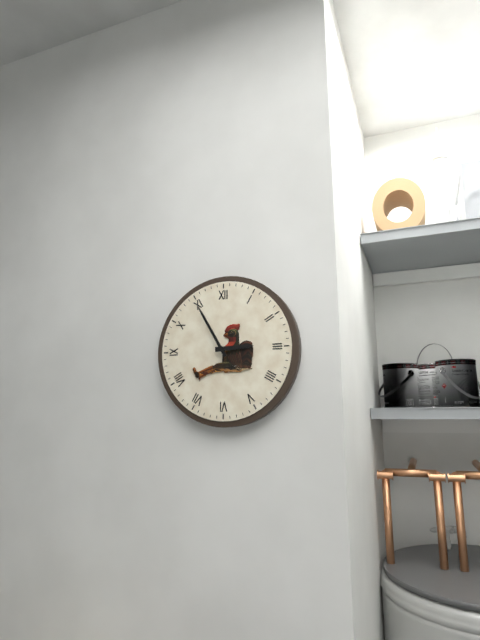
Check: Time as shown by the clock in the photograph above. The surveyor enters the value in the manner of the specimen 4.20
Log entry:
2.55
